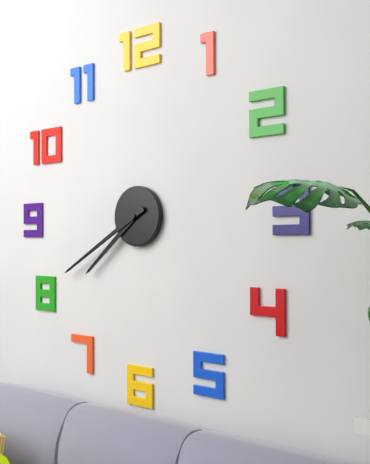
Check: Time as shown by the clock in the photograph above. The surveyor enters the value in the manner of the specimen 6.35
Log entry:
7.40
